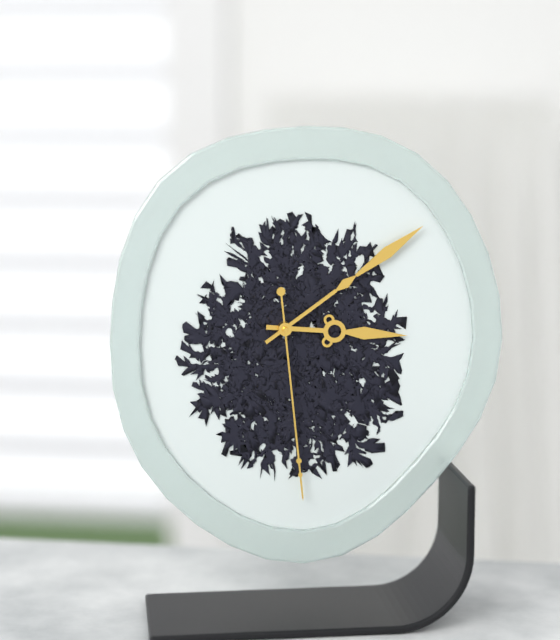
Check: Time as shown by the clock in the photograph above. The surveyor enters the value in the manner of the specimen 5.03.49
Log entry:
3.09.29
